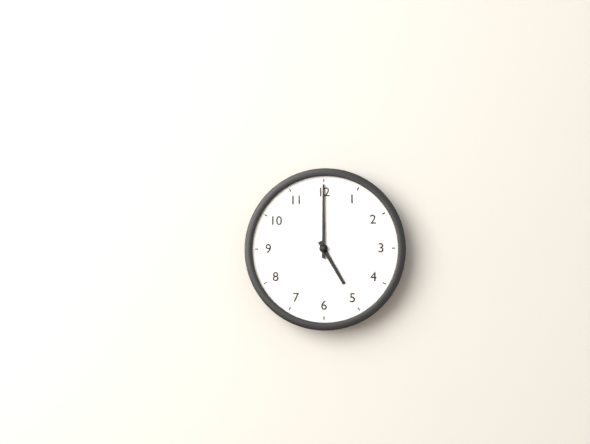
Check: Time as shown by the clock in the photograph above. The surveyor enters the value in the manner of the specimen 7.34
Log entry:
5.00
